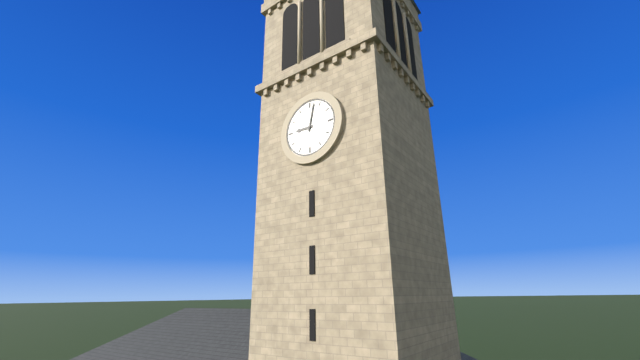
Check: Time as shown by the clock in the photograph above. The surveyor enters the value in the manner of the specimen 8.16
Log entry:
9.02
